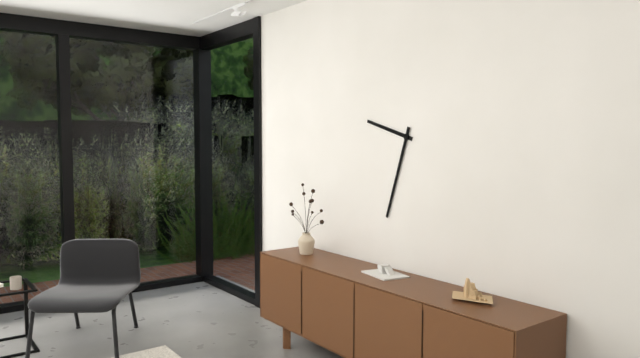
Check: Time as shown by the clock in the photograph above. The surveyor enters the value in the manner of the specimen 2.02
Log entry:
9.33
